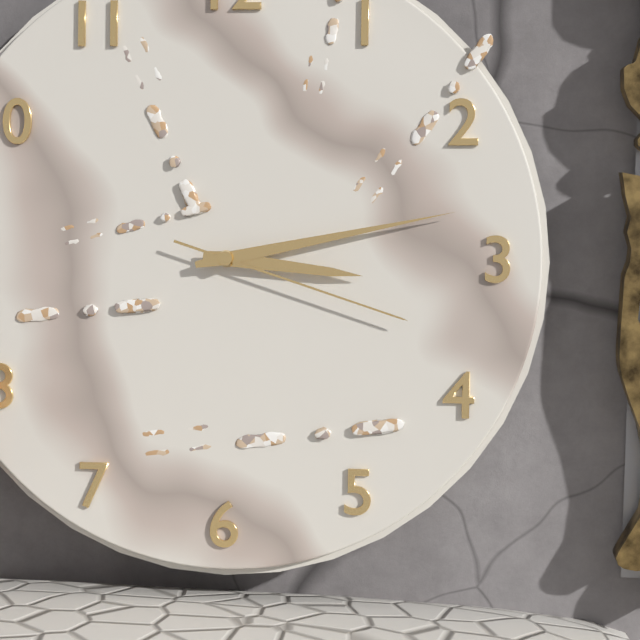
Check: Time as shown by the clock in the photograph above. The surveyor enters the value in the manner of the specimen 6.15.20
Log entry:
3.13.18
